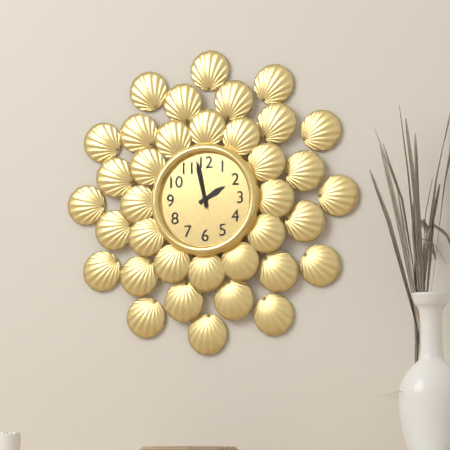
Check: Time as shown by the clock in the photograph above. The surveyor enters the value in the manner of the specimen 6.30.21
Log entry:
1.58.58
